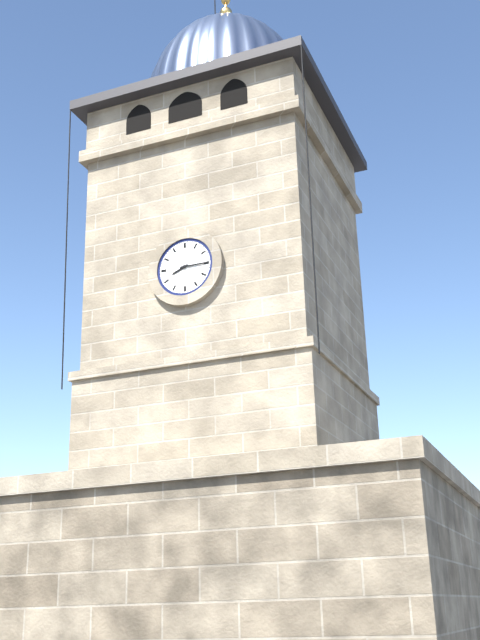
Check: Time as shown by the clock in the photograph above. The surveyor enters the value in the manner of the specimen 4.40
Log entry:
8.15
